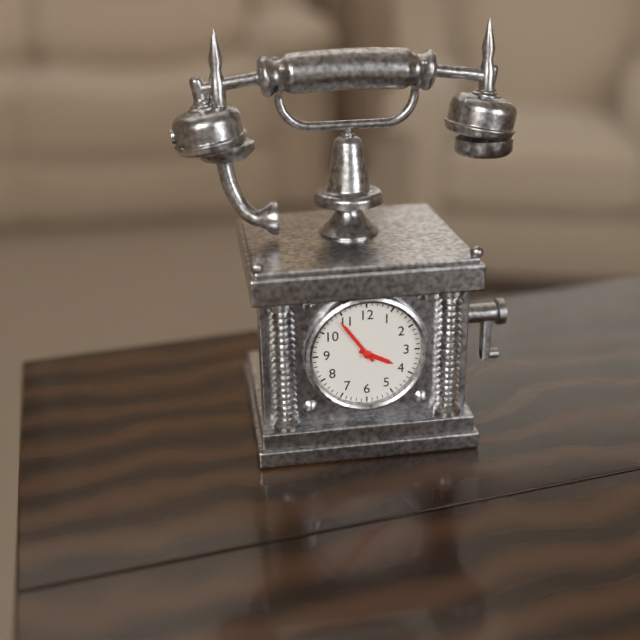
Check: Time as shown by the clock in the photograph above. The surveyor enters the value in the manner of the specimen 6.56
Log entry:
3.54
